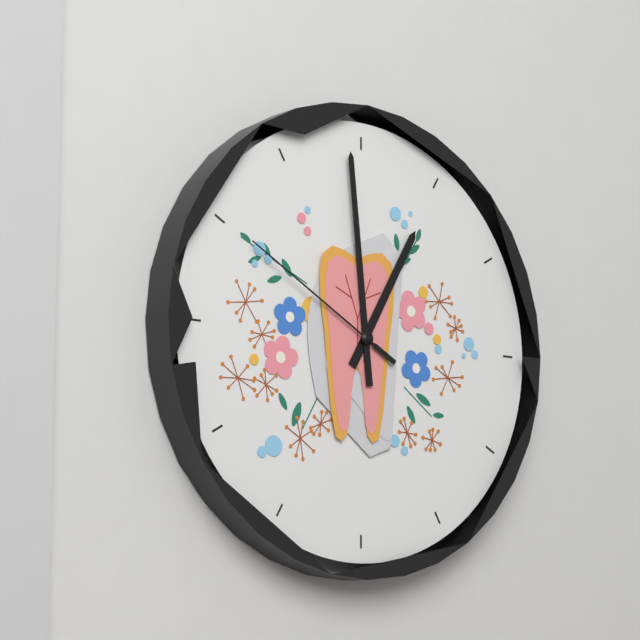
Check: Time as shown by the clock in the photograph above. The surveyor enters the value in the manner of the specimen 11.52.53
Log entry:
12.59.50
